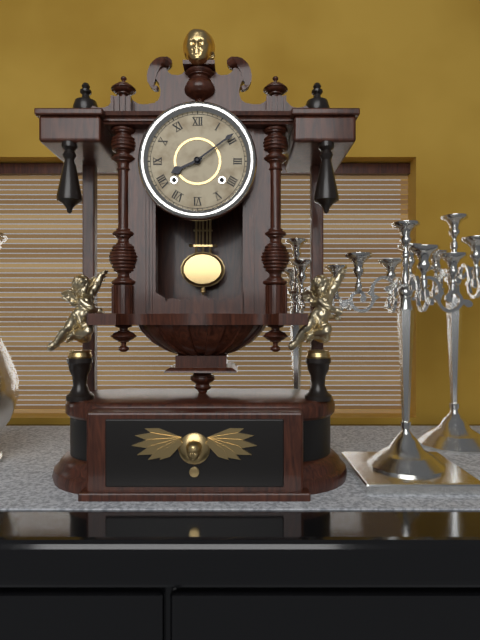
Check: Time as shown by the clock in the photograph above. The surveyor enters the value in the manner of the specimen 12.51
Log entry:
8.09
